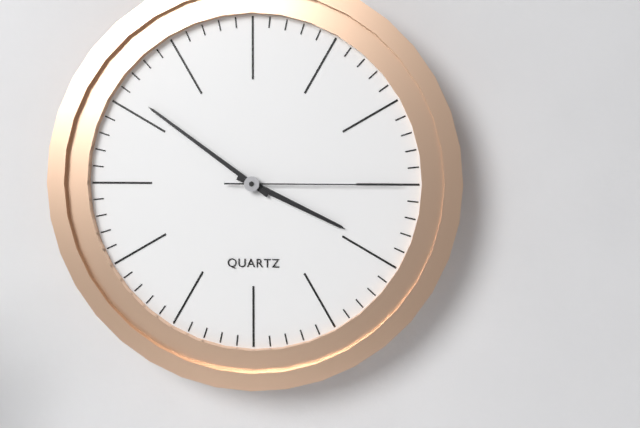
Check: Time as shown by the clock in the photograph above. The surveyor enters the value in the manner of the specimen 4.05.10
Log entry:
3.51.15
